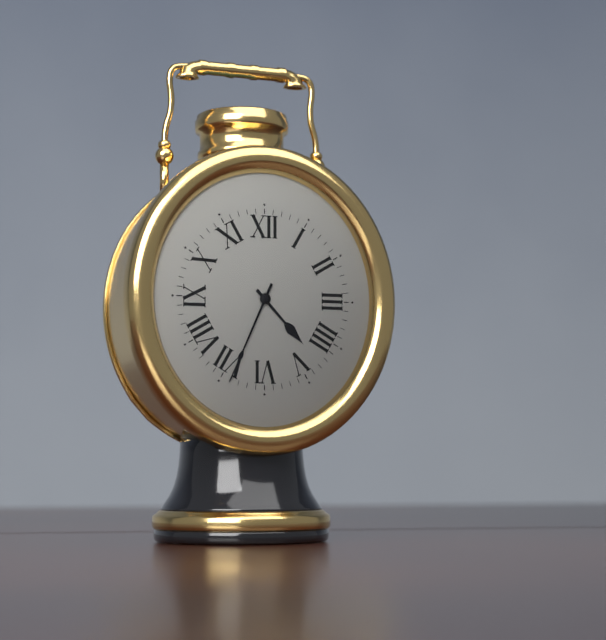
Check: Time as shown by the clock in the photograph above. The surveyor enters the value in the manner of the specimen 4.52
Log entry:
4.34
